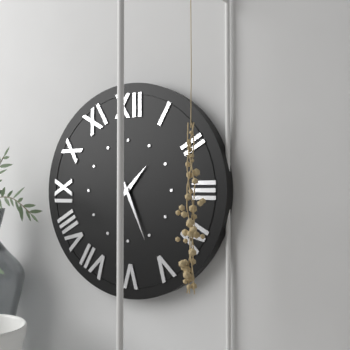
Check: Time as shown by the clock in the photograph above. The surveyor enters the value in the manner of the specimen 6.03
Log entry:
1.26
